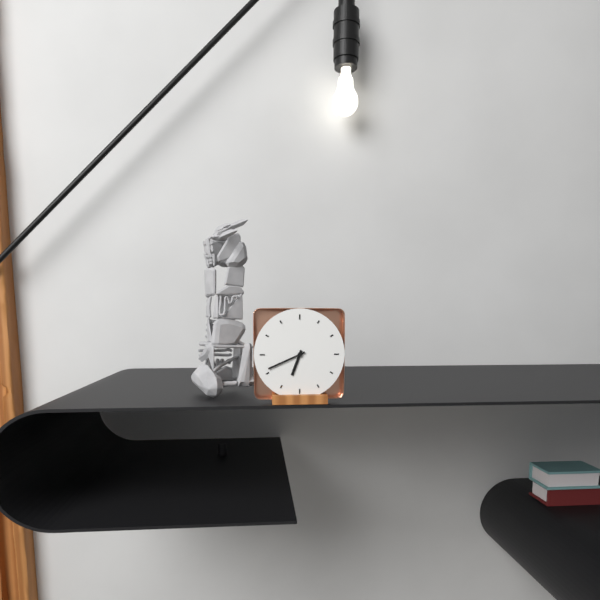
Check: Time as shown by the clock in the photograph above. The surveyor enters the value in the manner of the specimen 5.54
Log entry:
6.41
